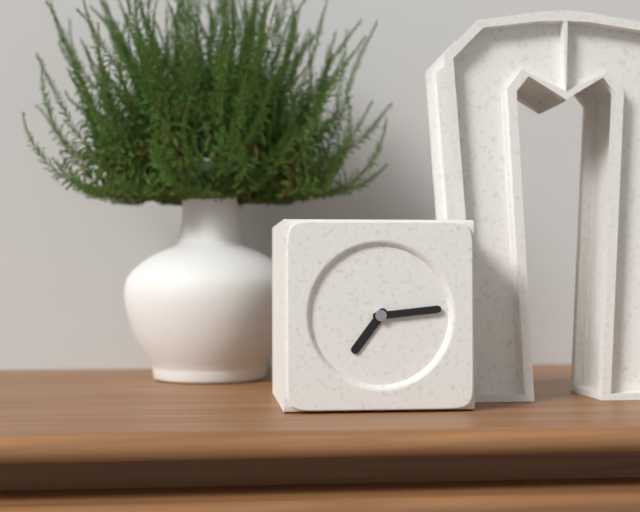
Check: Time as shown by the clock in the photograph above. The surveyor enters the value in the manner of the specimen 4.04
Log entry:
7.14
